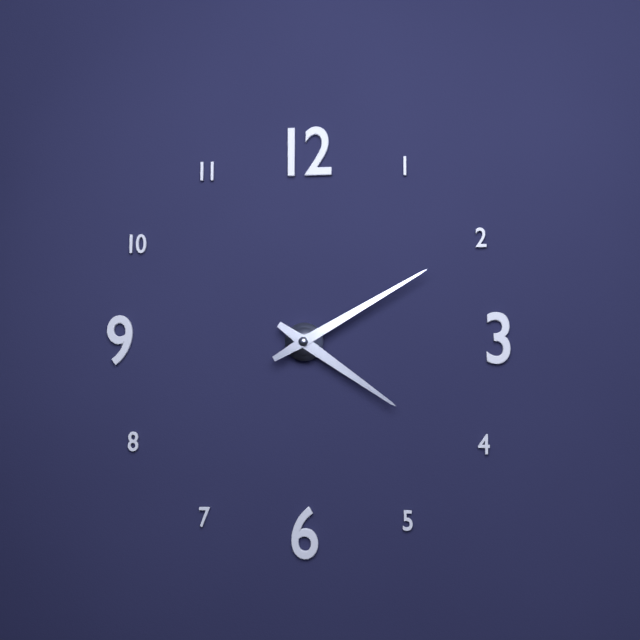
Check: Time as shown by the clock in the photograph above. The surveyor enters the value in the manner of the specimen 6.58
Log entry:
4.10
